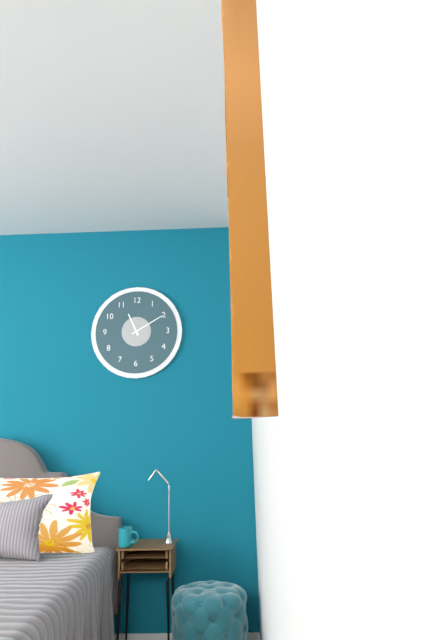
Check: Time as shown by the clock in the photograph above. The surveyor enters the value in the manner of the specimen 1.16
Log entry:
11.10
